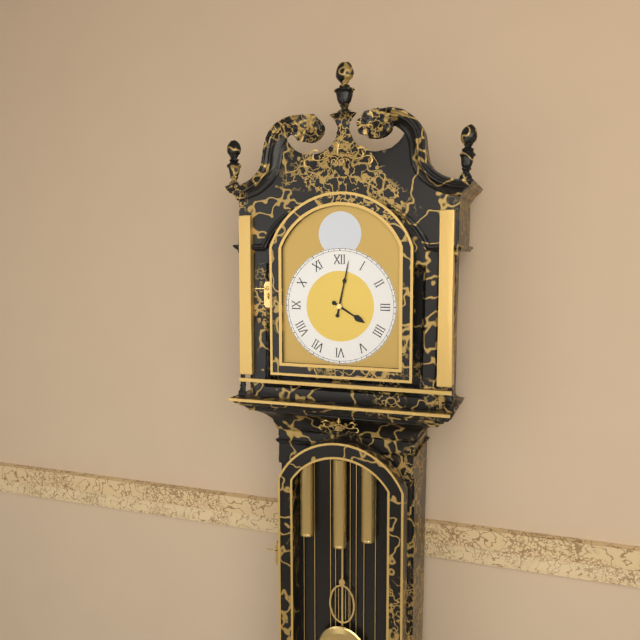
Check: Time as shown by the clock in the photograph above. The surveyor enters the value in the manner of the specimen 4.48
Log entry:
4.02
